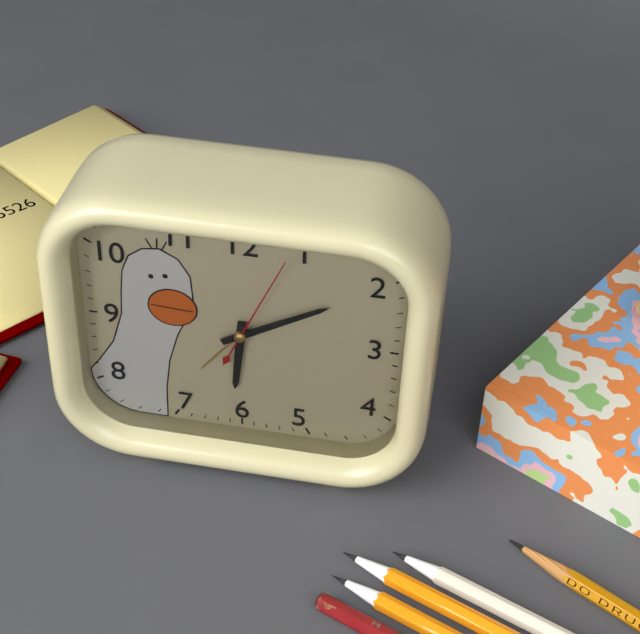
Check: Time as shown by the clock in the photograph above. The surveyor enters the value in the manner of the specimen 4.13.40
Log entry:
6.10.04
